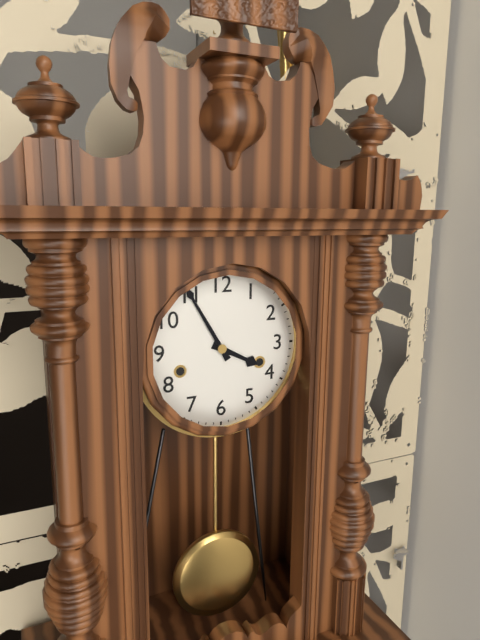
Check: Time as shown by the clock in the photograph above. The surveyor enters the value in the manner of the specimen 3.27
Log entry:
3.55
